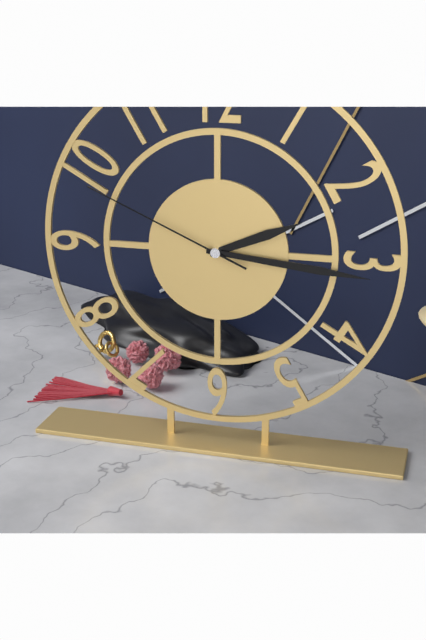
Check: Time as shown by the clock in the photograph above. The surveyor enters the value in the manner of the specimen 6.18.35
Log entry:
2.16.49
